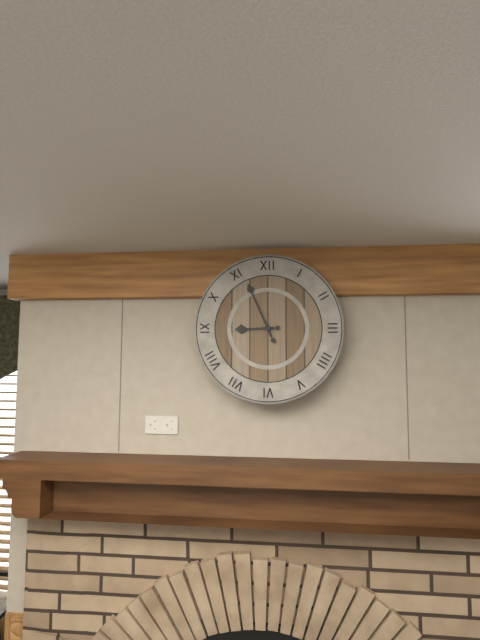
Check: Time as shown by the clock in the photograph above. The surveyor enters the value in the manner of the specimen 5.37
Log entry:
8.56
